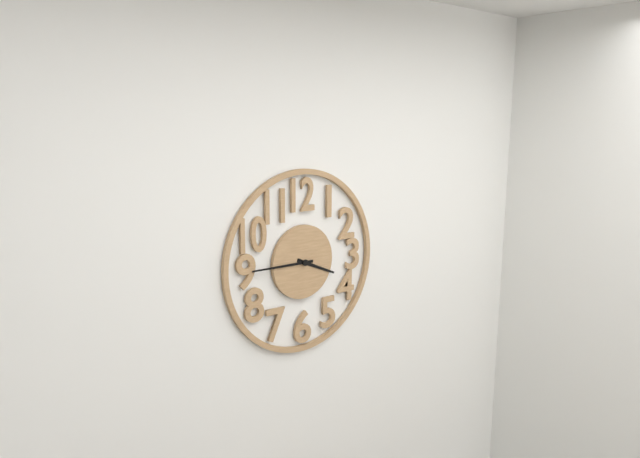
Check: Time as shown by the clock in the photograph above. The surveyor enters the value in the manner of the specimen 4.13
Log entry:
3.45
